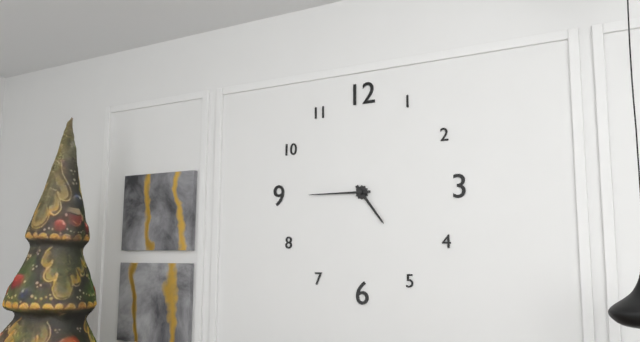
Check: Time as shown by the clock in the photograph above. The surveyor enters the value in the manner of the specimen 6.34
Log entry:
4.45
